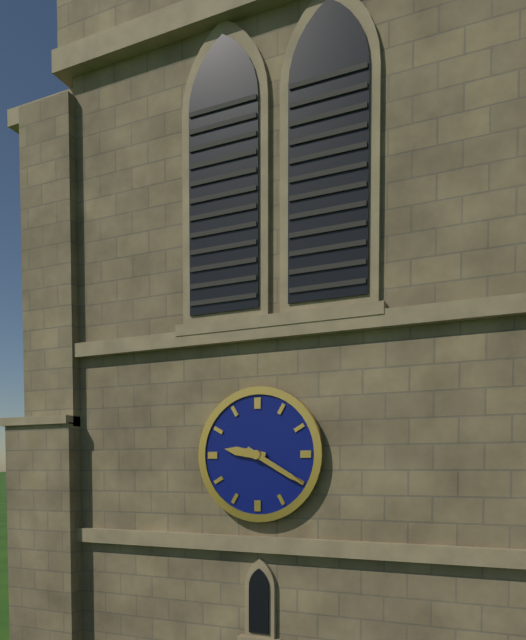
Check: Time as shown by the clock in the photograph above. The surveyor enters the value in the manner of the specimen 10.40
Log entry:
9.20
